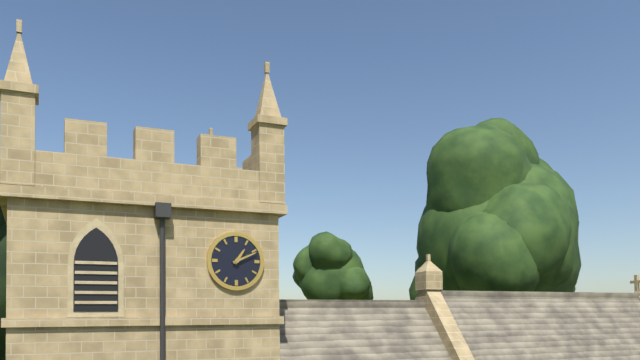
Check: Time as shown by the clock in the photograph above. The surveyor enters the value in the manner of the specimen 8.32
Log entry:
1.11
